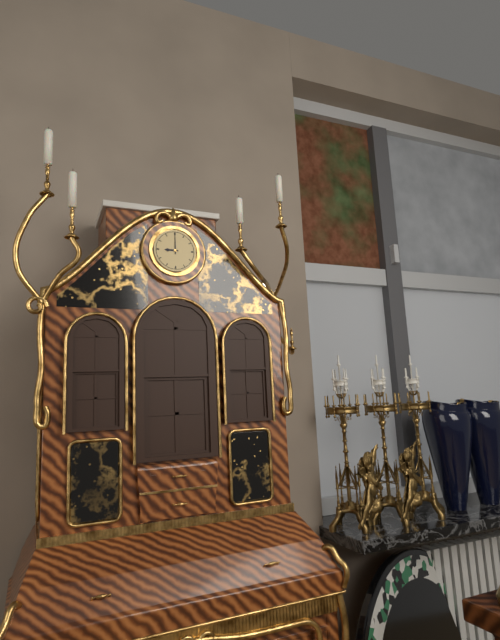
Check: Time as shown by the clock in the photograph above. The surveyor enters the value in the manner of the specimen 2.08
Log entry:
9.00
